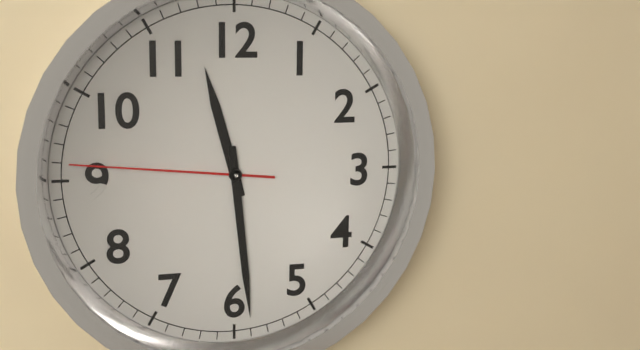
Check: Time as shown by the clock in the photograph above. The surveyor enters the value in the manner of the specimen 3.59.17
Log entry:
11.29.46
